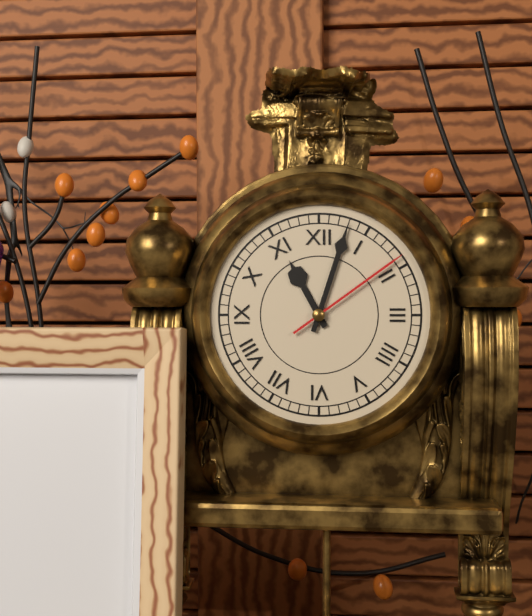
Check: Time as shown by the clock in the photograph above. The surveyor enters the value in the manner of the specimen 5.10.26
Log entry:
11.03.09
